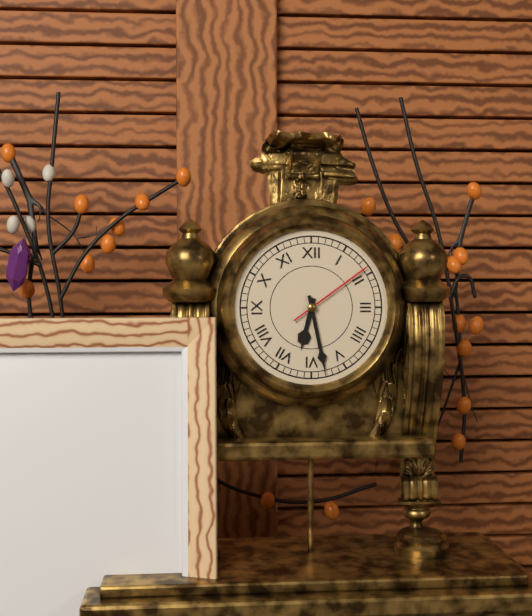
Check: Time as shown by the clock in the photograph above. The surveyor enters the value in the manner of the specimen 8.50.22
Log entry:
6.28.09
